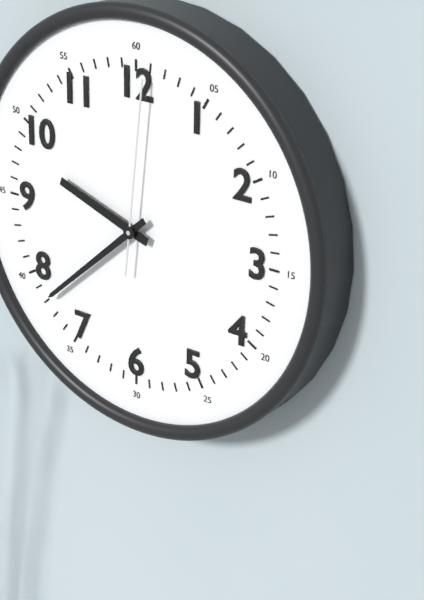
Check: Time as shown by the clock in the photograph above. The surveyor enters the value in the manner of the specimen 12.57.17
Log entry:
9.38.01
